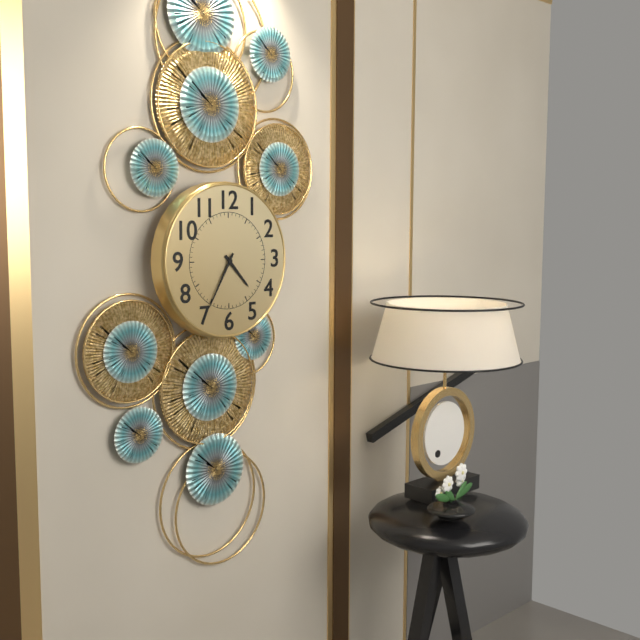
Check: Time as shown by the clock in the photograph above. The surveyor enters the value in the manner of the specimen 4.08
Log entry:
4.35
